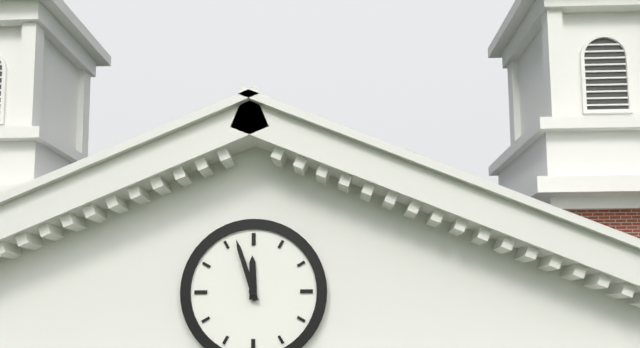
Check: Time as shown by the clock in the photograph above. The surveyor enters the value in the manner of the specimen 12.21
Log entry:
11.57
